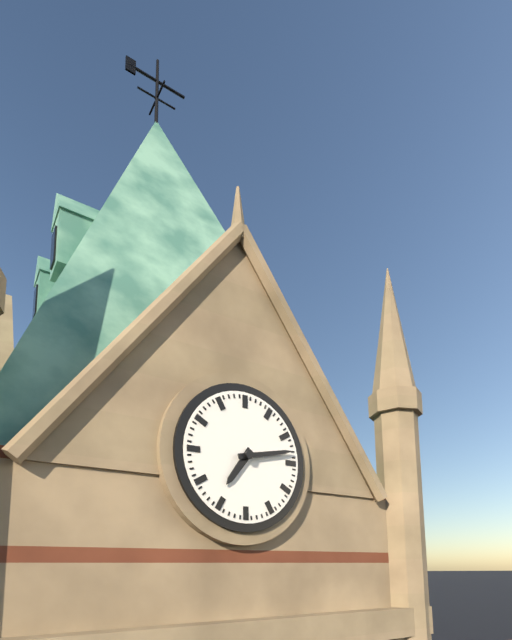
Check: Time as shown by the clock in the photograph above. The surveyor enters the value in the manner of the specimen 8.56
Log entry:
7.13
